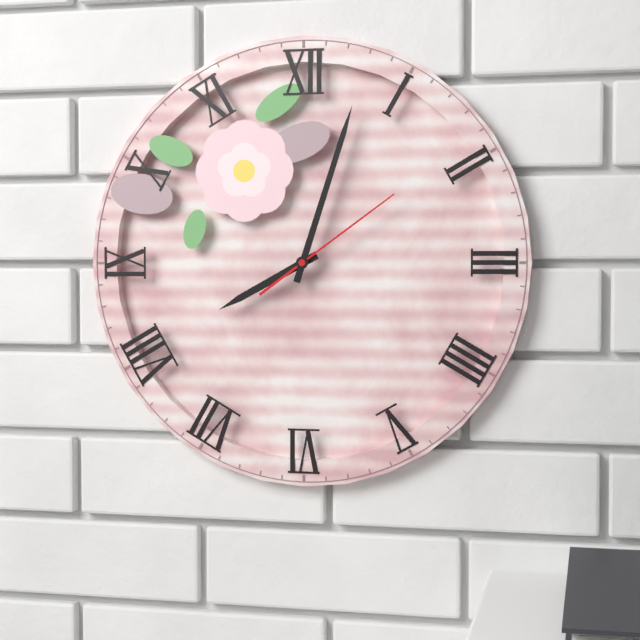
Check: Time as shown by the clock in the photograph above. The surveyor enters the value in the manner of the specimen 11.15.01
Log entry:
8.03.09
